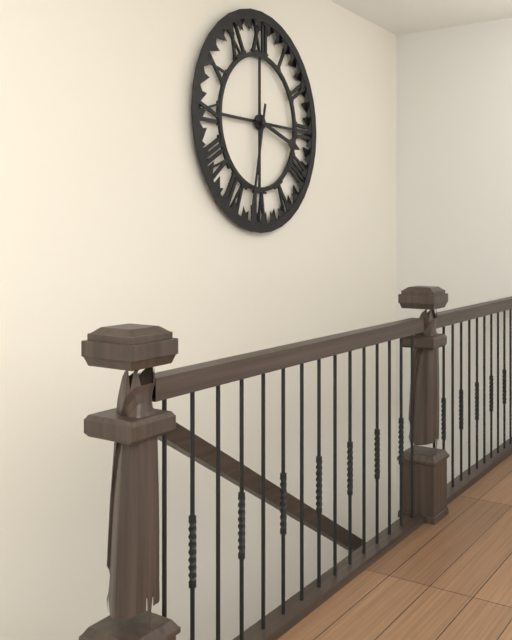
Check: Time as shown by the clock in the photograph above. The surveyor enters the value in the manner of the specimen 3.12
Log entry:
3.32
